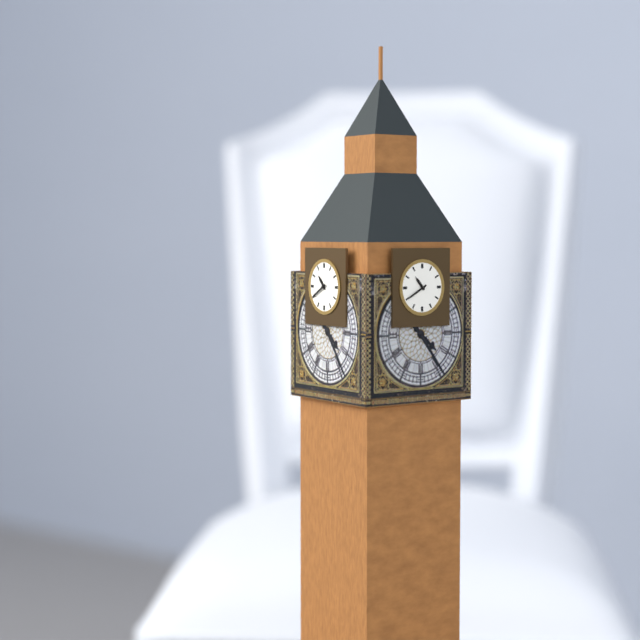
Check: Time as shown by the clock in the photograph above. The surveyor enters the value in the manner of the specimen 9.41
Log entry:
10.40
